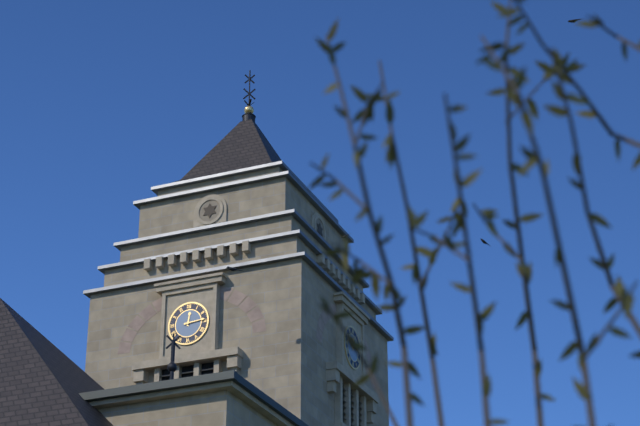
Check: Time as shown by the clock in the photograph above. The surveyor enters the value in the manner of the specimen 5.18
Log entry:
12.14
